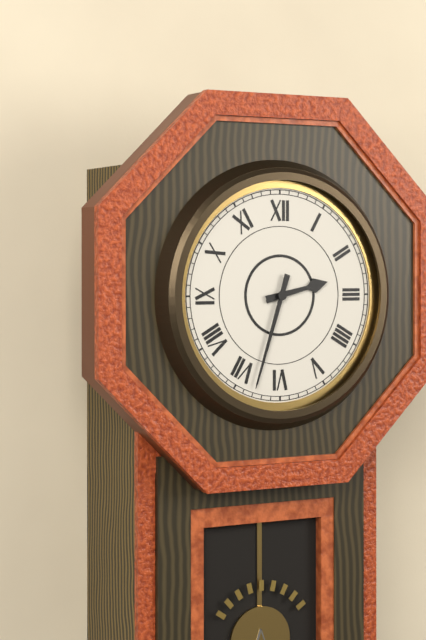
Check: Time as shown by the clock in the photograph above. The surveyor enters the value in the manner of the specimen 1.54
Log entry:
2.33
